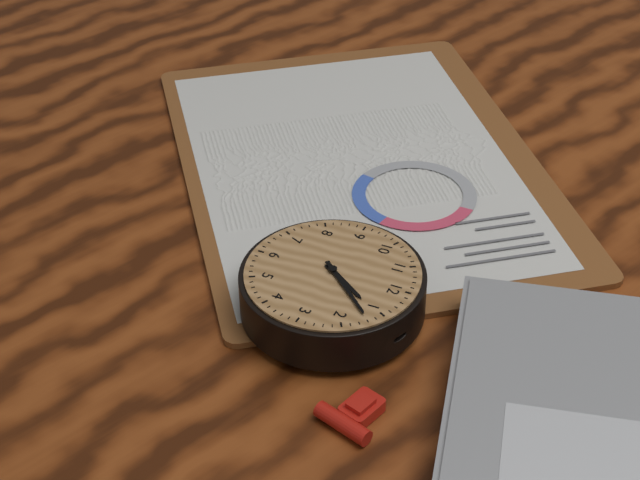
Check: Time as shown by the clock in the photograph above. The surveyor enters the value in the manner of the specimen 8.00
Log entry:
1.07
